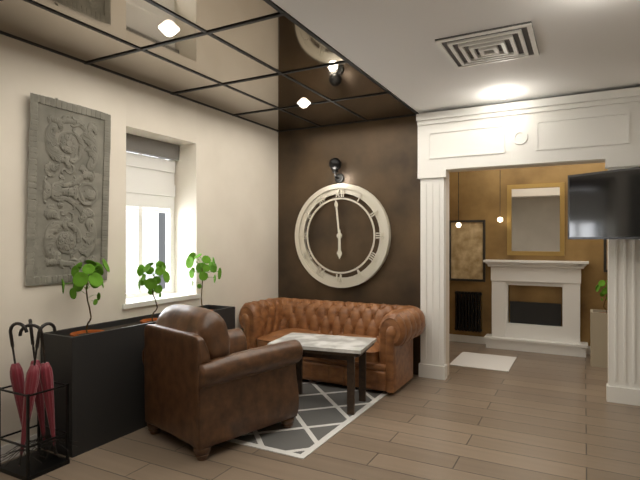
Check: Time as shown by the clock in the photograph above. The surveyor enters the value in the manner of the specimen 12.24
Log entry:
5.59
